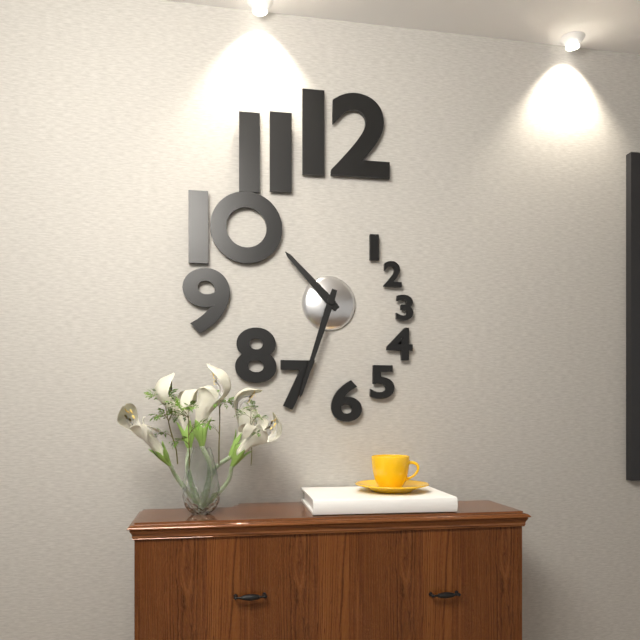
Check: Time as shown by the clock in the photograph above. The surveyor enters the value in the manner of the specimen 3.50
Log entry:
10.33
